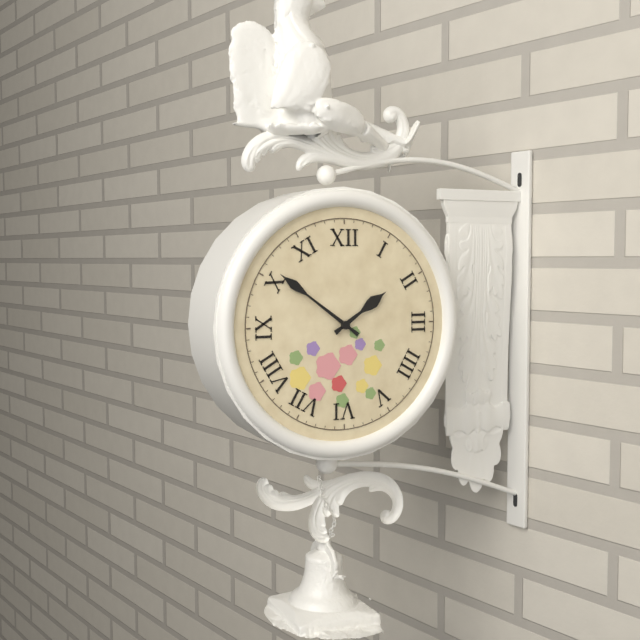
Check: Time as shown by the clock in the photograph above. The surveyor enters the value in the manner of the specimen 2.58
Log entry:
1.51
